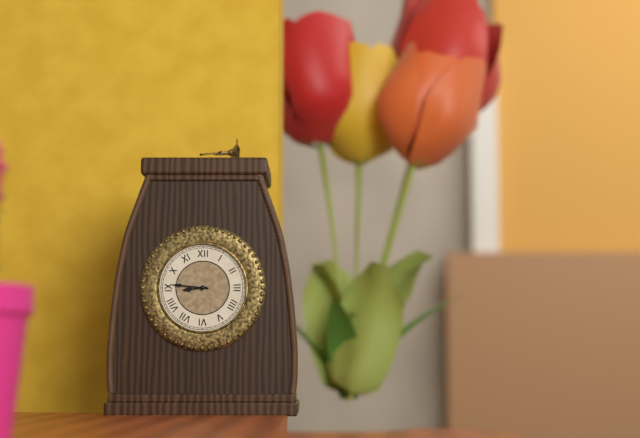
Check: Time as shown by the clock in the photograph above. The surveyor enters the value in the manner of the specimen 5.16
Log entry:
8.46
